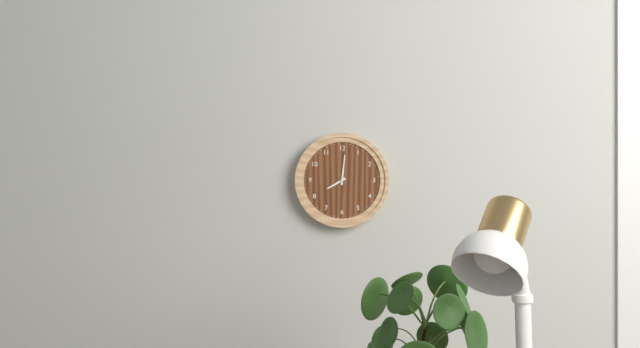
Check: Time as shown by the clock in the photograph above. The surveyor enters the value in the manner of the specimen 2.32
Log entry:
8.01
